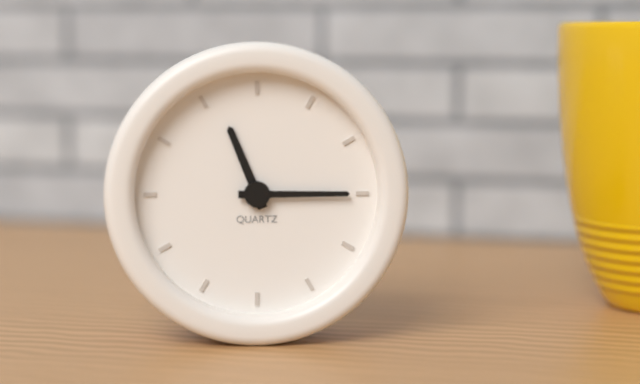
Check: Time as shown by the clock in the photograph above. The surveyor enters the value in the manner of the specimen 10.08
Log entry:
11.15
